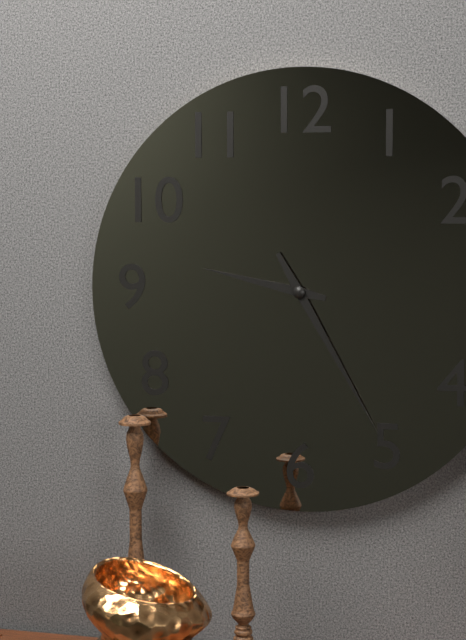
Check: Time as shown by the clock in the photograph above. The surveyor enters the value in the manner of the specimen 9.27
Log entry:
9.25
